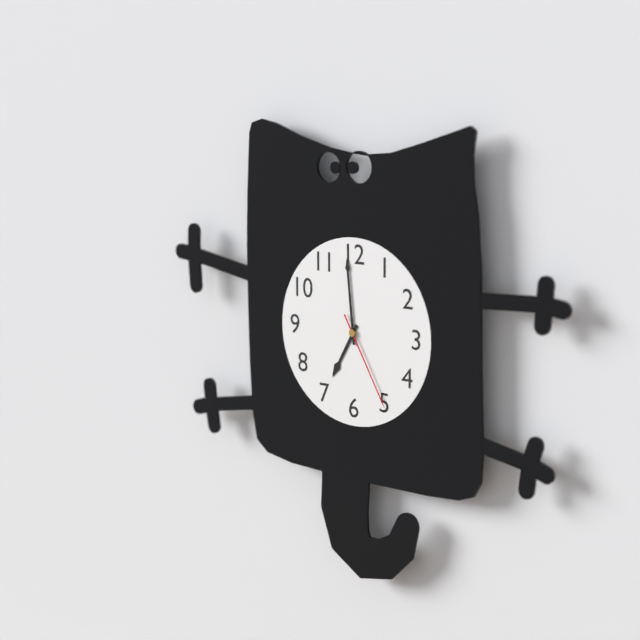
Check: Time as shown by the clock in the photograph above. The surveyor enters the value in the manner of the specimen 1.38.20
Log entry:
6.59.25
